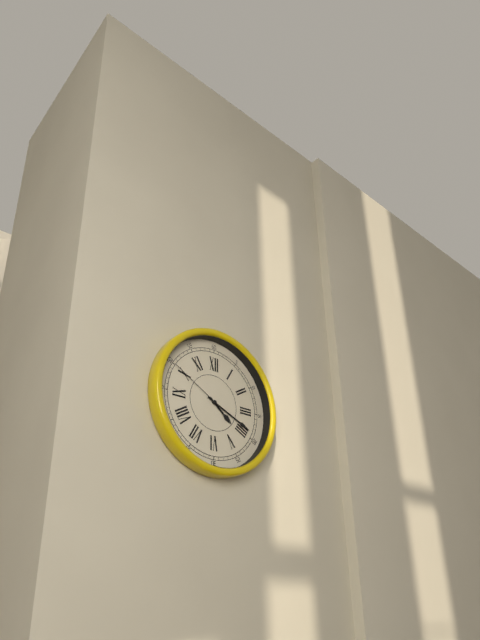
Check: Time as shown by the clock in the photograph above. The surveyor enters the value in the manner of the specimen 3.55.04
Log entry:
4.19.50
